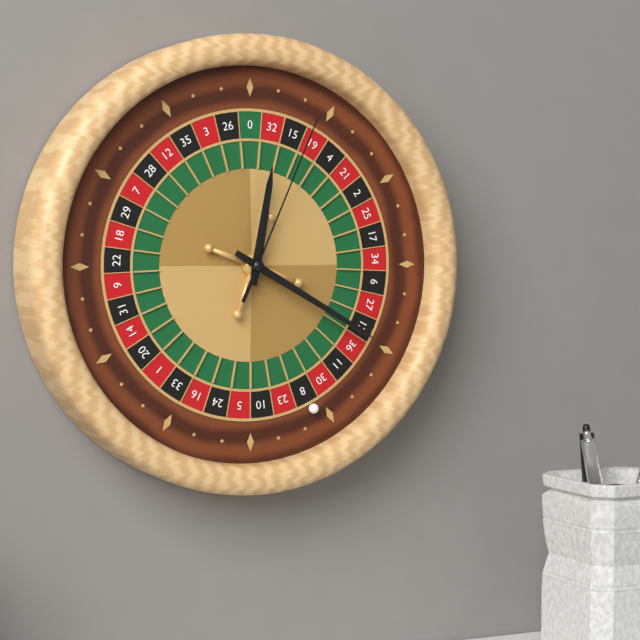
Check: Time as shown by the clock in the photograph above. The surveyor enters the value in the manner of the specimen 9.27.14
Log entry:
12.20.04
